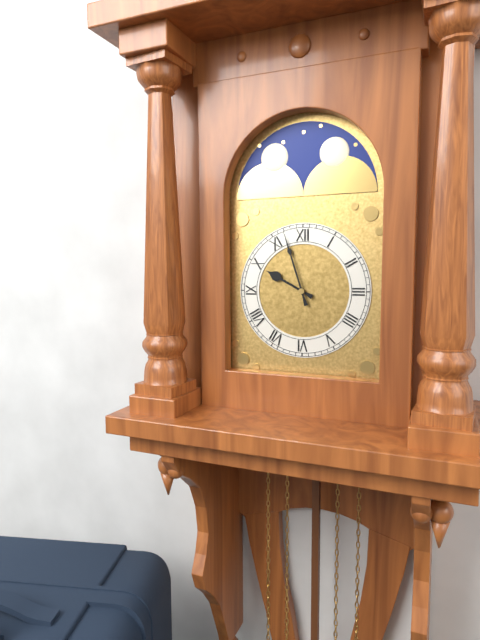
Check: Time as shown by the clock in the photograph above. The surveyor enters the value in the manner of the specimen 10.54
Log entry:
9.57
